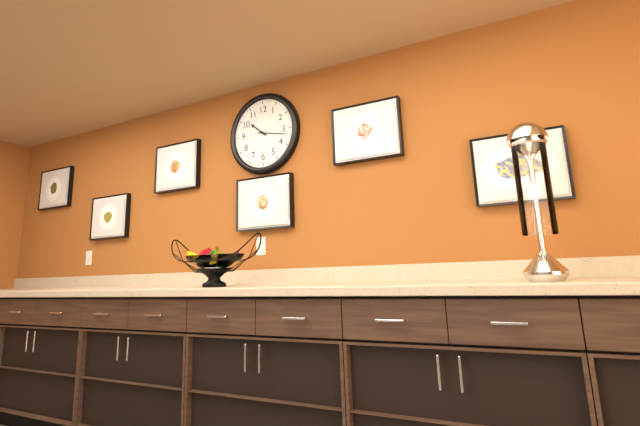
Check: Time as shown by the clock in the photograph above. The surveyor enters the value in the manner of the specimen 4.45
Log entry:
10.17
